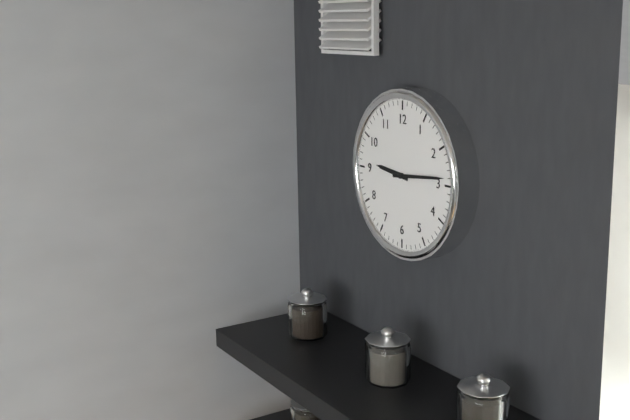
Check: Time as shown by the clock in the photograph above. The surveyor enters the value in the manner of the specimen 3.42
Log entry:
9.14
